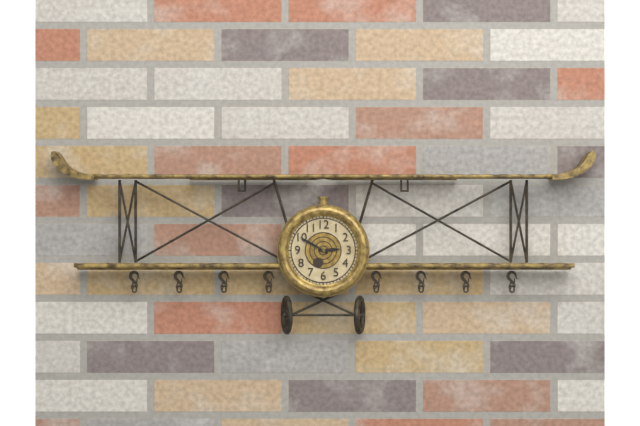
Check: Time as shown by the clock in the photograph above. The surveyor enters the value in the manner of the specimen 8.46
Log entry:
2.50
